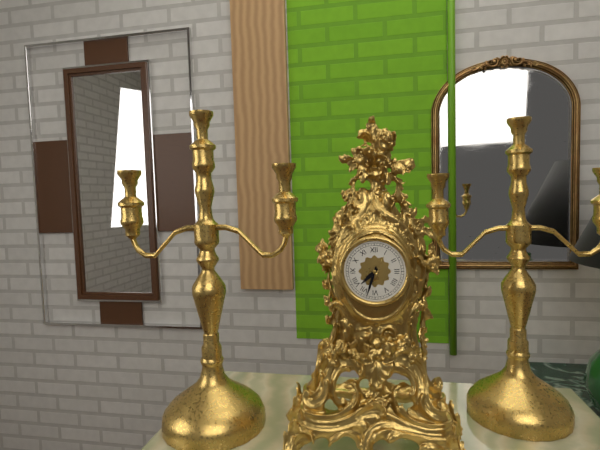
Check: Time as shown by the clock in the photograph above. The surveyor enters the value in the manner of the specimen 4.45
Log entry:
7.33
